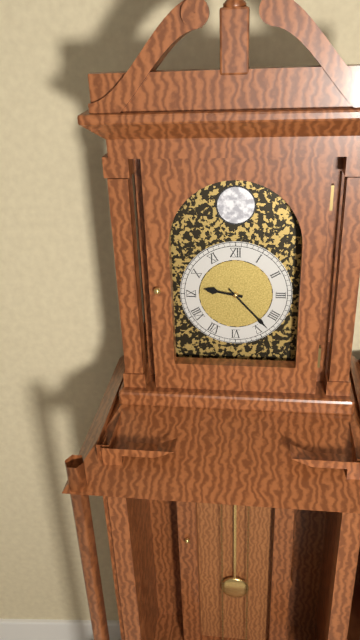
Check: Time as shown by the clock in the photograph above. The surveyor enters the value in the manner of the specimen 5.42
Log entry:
9.23
